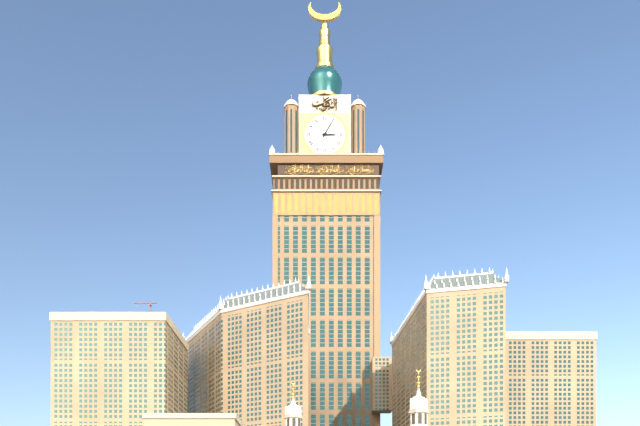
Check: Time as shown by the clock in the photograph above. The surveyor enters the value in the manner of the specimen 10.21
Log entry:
3.05
